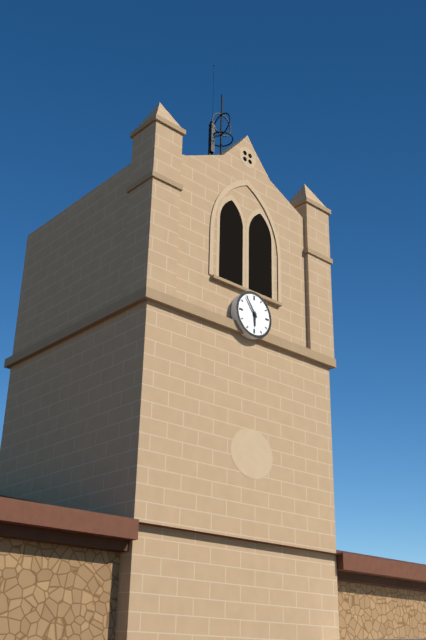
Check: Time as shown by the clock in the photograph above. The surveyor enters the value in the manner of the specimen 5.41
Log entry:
5.54
